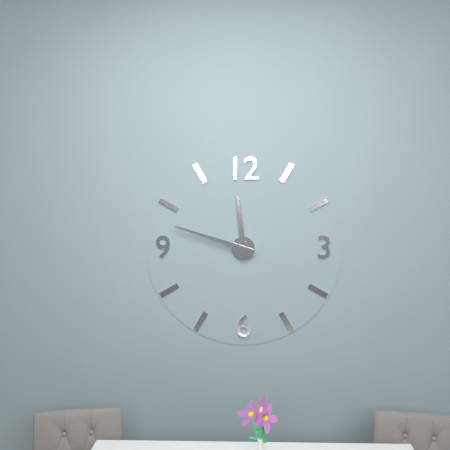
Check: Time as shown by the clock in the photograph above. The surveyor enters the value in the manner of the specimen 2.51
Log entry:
11.48
